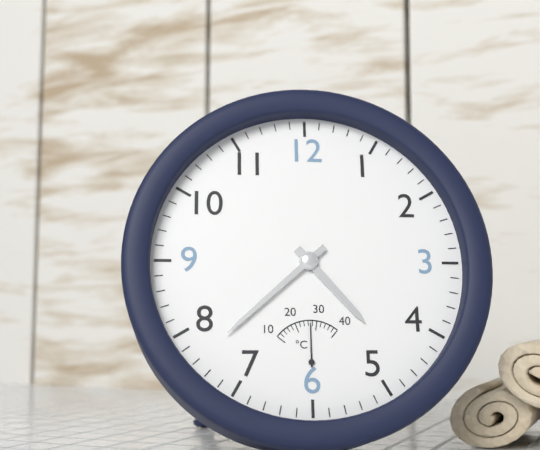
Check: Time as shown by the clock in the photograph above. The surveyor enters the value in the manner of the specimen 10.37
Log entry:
4.38
